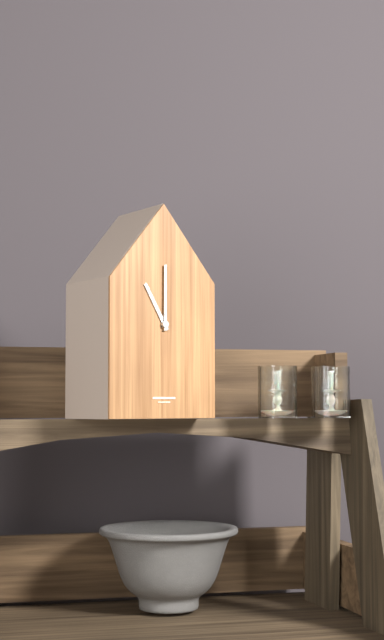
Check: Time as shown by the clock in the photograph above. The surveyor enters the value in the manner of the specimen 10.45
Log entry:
11.00
